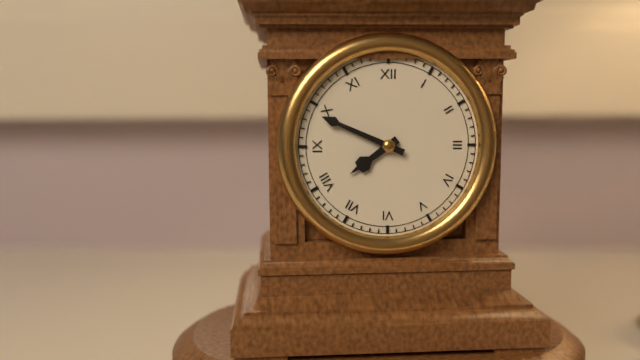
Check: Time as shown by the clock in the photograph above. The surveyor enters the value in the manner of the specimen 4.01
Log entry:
7.49
